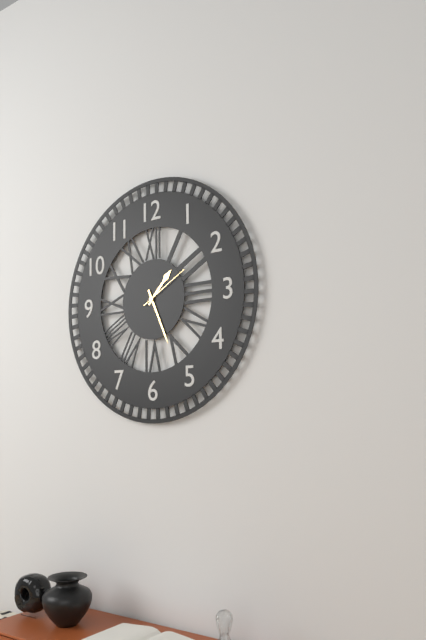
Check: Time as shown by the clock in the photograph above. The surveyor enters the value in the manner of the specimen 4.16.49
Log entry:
1.26.10
